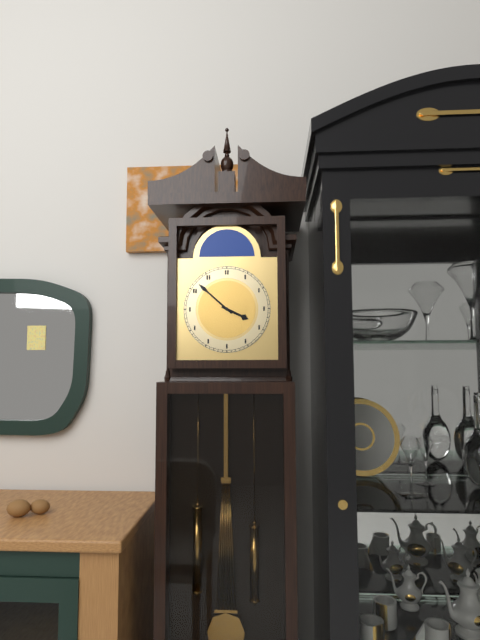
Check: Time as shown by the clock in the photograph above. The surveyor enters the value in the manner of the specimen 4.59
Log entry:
3.52
